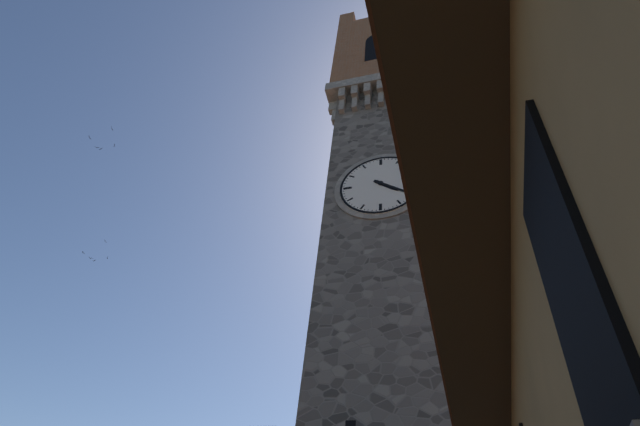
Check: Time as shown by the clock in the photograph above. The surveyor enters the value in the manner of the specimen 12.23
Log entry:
4.21
